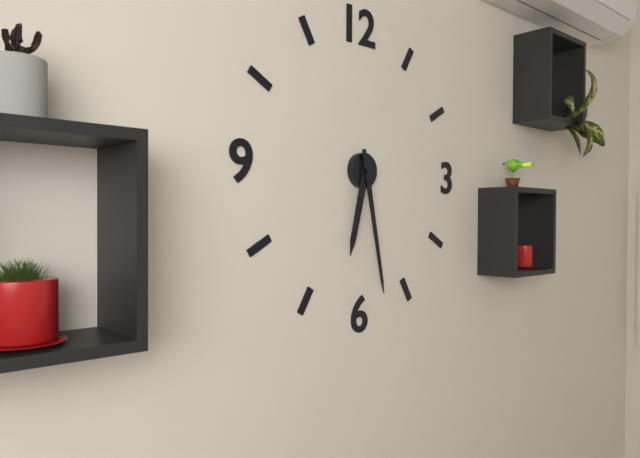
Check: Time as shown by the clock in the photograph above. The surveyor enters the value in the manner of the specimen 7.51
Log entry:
6.28
